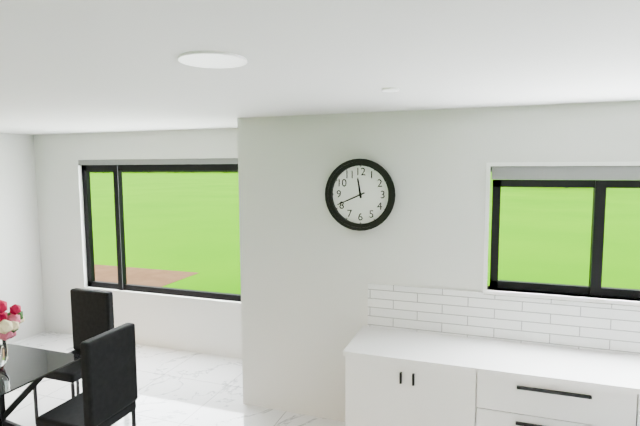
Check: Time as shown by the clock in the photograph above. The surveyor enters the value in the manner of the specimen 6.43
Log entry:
11.41
